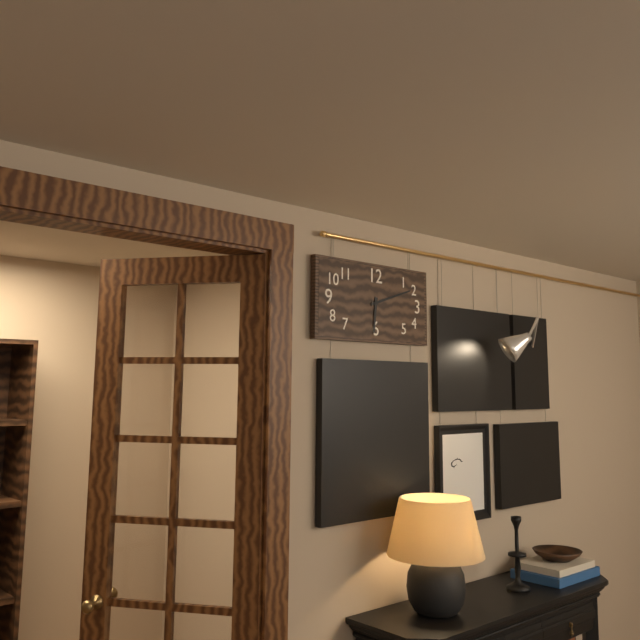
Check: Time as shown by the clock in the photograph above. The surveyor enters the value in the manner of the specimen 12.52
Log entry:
6.12
